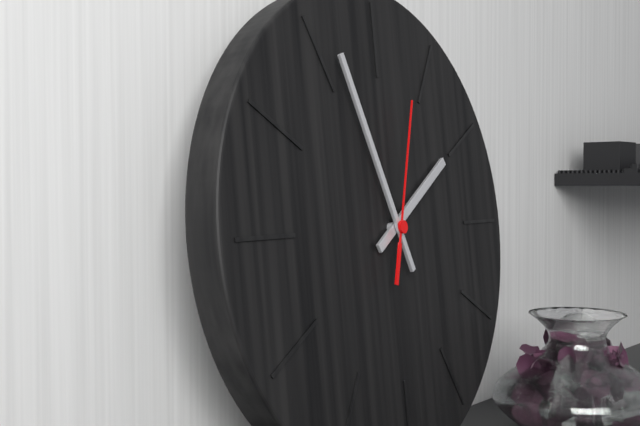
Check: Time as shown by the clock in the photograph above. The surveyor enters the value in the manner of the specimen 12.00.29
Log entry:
1.56.03
